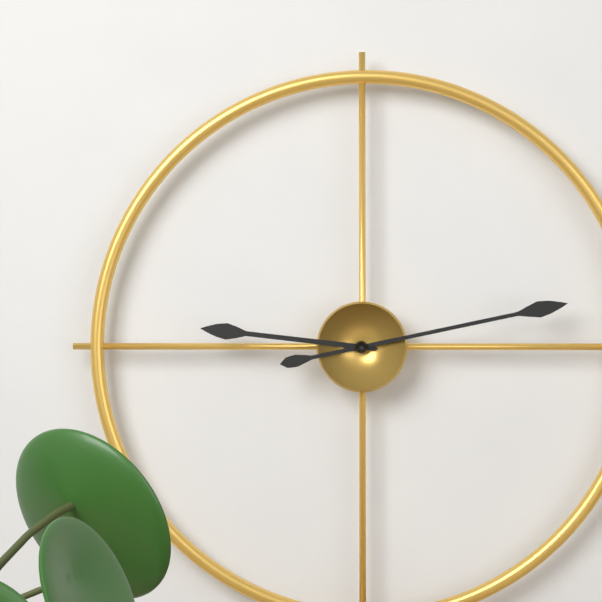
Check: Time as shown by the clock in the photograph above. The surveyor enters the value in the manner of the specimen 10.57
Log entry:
9.13
